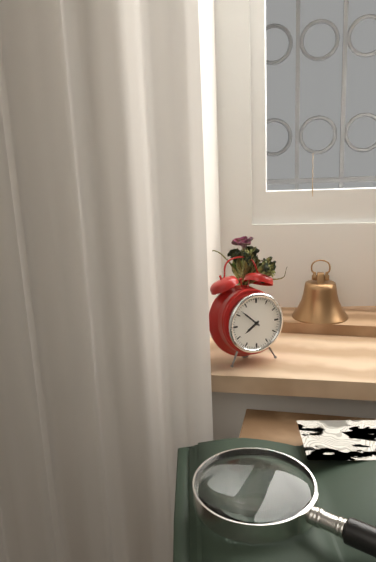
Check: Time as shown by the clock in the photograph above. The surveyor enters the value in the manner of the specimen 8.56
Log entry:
7.52
